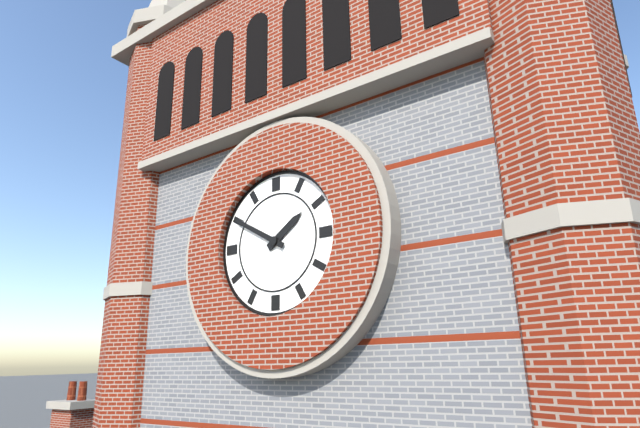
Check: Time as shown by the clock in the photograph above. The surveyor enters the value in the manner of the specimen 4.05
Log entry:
1.50
